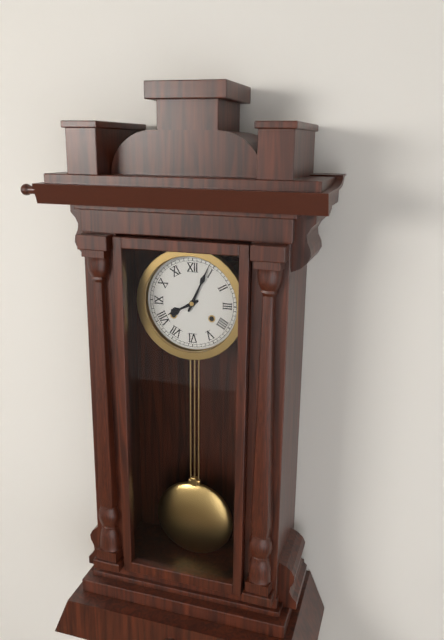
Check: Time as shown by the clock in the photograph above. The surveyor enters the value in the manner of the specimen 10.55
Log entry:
8.04
